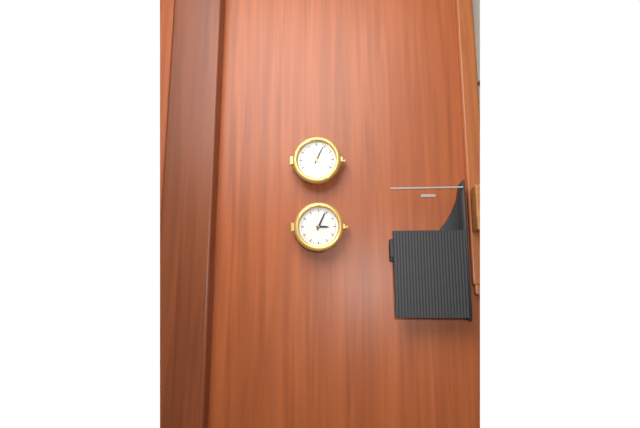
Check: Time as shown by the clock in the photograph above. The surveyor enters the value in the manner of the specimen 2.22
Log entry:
3.04
